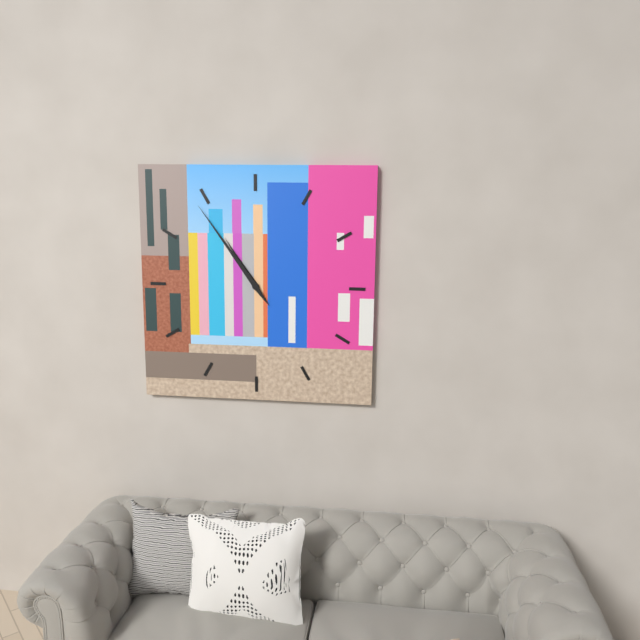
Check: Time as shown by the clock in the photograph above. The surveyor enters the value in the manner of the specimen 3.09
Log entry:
10.54
